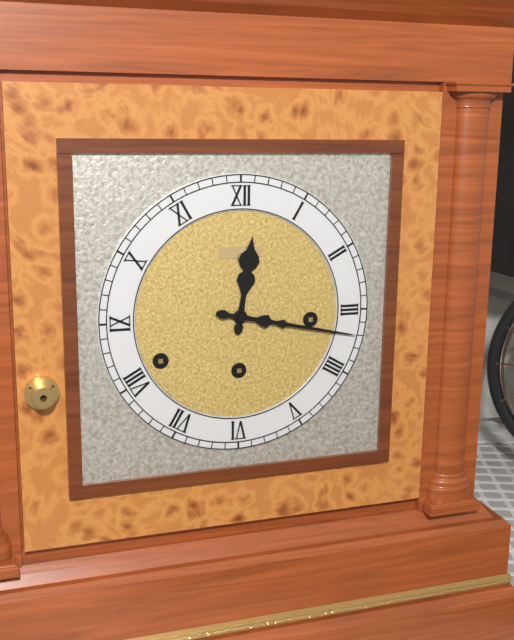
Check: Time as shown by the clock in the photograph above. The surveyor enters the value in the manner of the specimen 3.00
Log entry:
12.17
